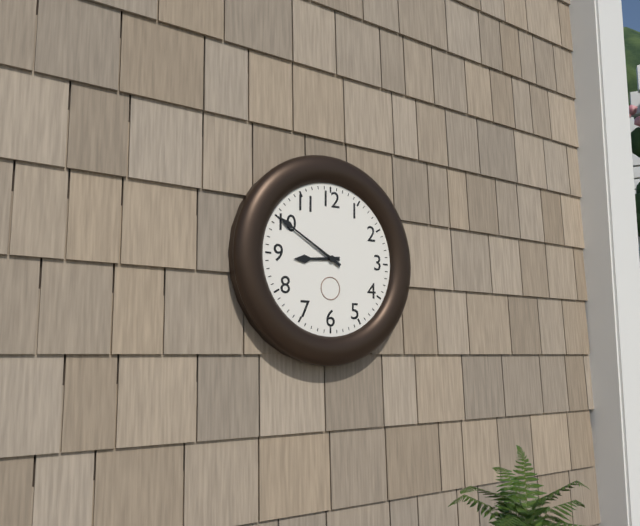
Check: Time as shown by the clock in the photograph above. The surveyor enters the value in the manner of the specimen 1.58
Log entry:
8.50
